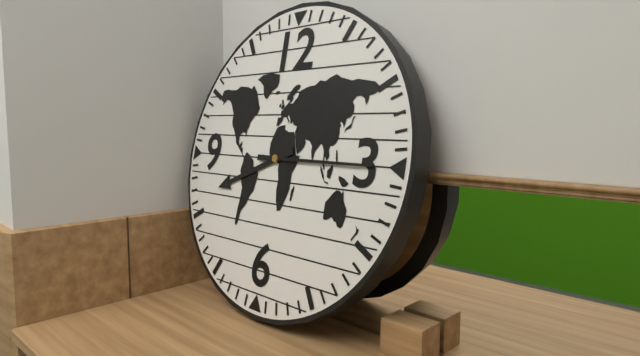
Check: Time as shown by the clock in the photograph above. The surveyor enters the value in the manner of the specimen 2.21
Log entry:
8.15
